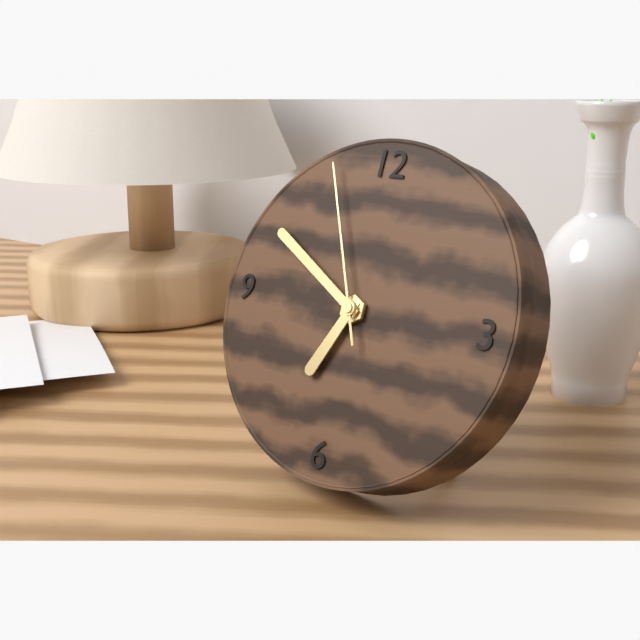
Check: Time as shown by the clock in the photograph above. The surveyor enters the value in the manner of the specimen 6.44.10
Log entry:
6.50.56
